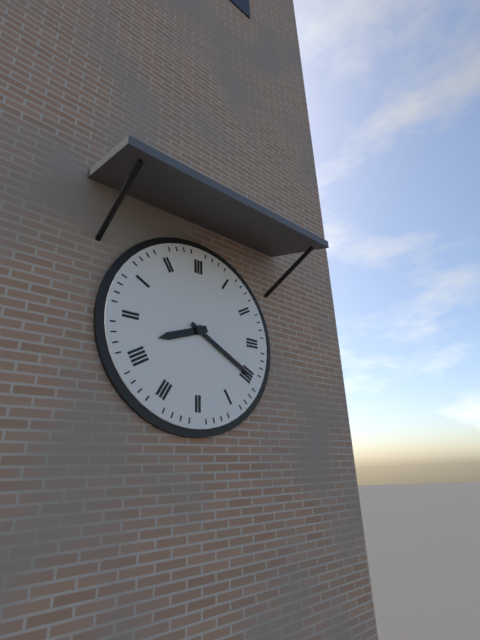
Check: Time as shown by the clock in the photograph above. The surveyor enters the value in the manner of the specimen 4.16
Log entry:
8.20
